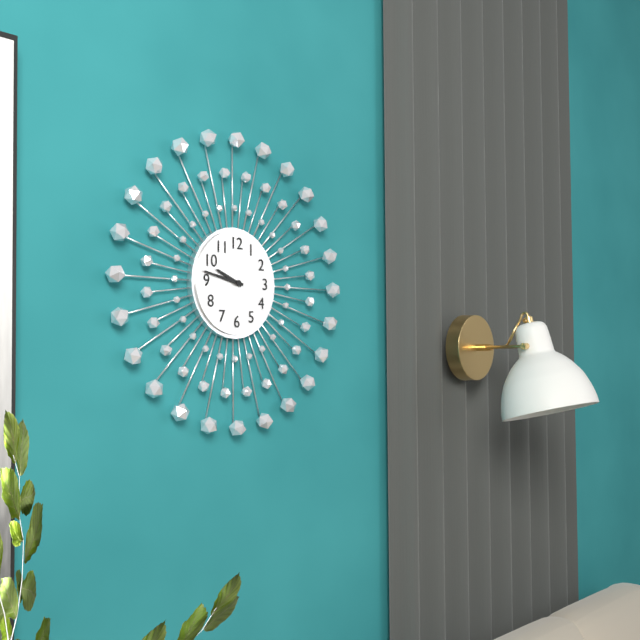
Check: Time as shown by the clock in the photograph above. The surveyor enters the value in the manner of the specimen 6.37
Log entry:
9.47
